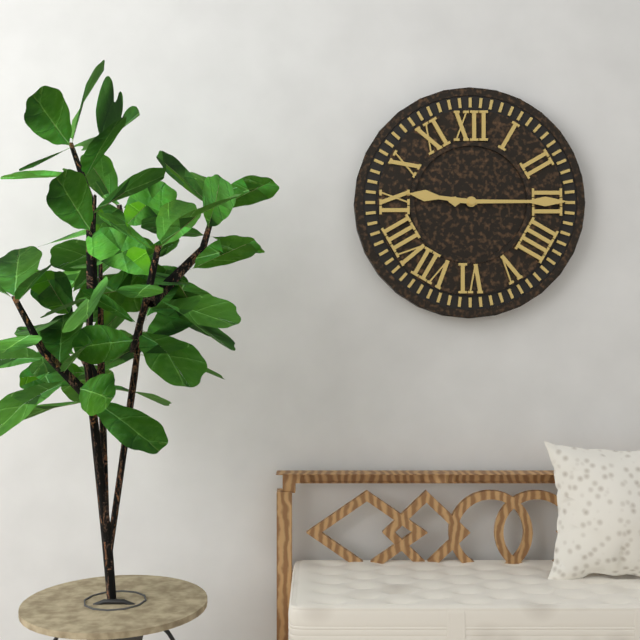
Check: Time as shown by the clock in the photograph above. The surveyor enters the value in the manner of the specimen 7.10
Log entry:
9.15
